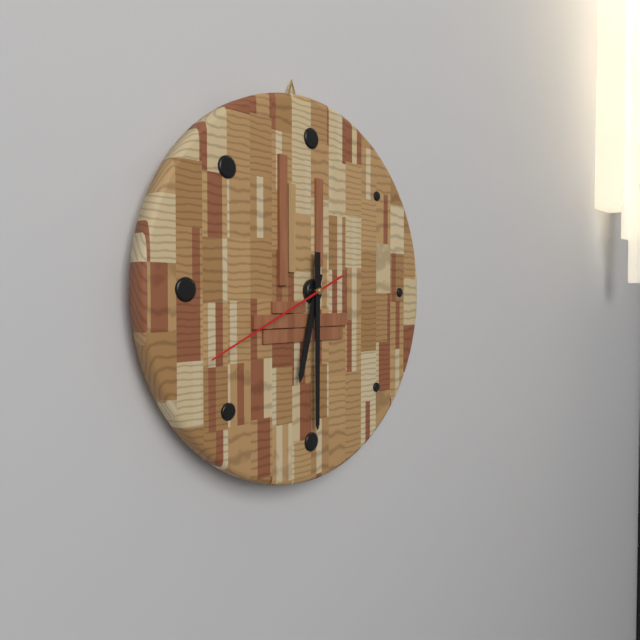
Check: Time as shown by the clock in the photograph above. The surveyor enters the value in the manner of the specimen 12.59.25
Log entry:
6.30.41
